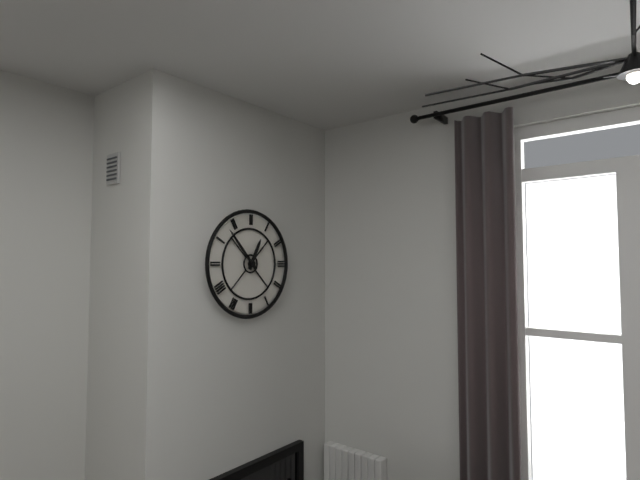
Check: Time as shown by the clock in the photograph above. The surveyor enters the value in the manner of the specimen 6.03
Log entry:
12.53
